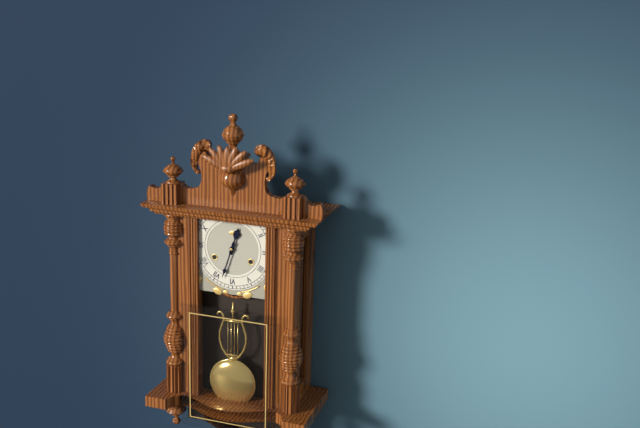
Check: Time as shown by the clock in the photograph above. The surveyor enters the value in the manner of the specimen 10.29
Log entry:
12.33
